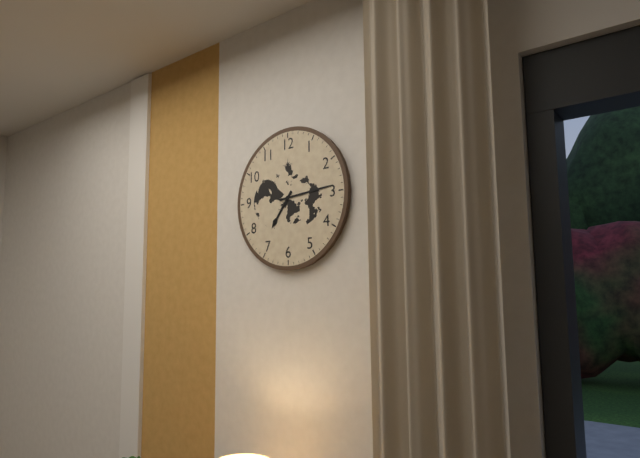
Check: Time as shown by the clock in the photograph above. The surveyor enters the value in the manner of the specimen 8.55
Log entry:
7.14
